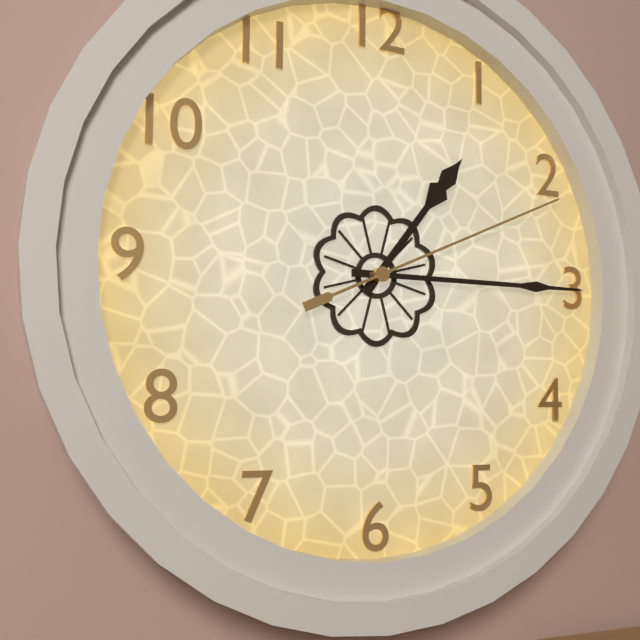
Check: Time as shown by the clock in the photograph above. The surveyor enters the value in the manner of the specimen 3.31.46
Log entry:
1.15.11
